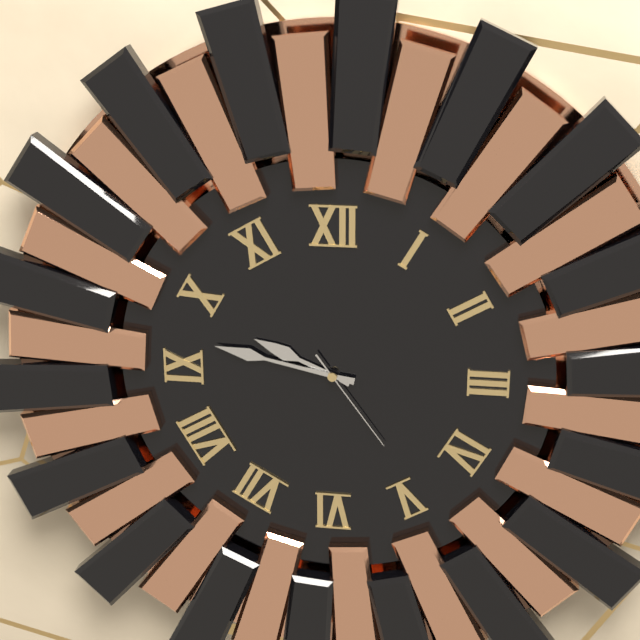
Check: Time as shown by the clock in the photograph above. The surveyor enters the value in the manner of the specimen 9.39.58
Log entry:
9.47.24
